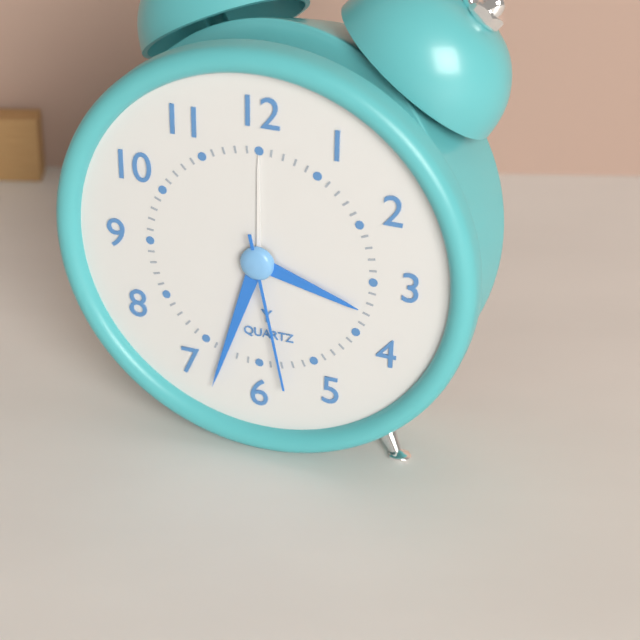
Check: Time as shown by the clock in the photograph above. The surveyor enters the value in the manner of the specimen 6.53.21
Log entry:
3.33.28
